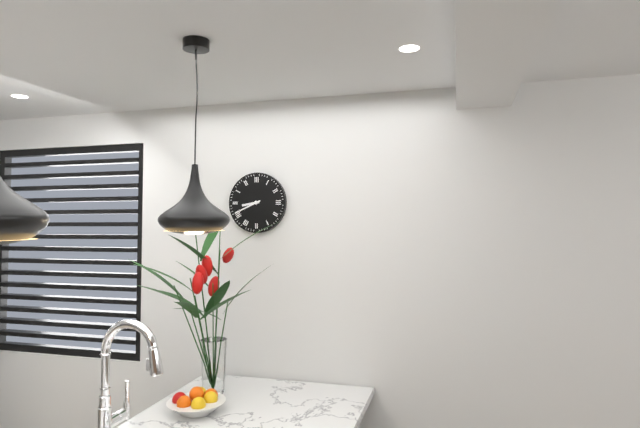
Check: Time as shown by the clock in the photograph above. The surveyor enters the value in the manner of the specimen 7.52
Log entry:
8.41
